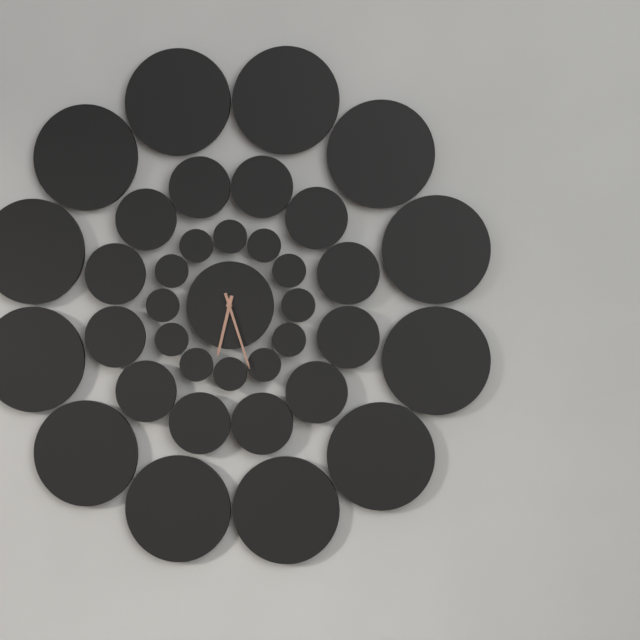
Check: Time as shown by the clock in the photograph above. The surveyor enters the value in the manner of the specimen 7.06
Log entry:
6.27
